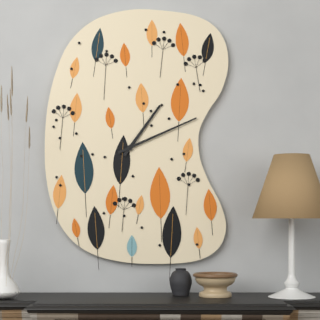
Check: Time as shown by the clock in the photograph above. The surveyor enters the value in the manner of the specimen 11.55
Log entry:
1.11
